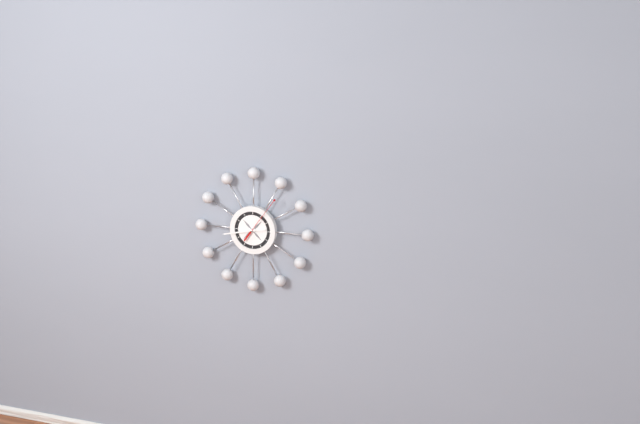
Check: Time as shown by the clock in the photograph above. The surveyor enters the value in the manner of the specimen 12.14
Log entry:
2.43
